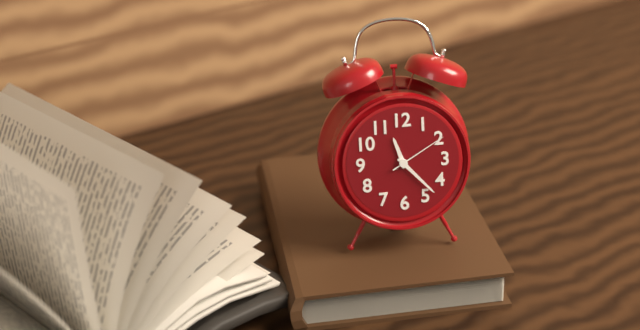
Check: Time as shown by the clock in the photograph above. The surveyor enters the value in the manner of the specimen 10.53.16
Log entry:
11.23.10
